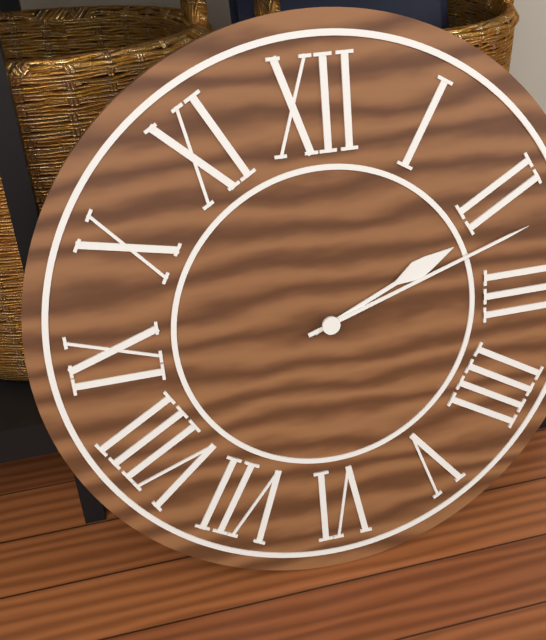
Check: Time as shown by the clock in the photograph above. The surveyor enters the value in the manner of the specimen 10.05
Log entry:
2.12
